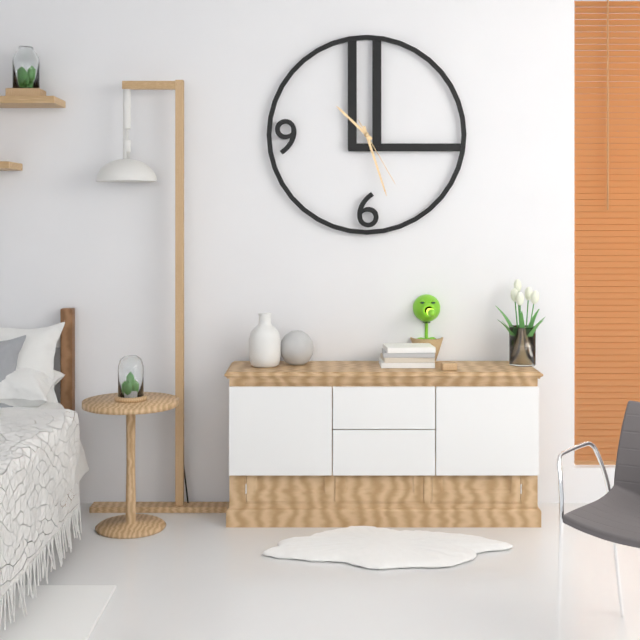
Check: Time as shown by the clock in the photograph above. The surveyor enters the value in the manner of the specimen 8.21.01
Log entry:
10.27.25
